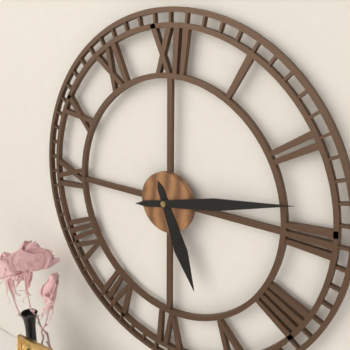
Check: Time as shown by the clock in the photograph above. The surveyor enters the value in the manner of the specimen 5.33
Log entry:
5.13
